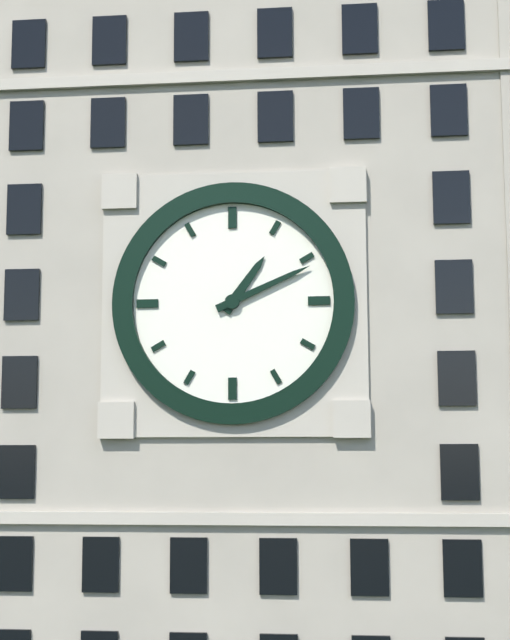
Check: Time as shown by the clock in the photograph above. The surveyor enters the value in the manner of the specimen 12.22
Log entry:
1.11
